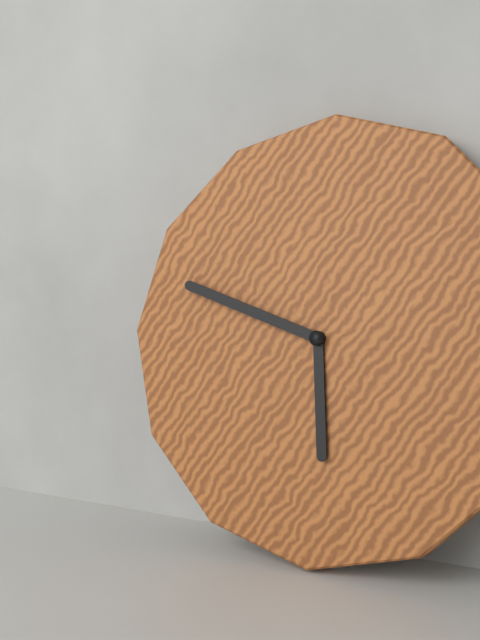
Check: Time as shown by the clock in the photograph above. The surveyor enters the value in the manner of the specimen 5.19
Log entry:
5.48
